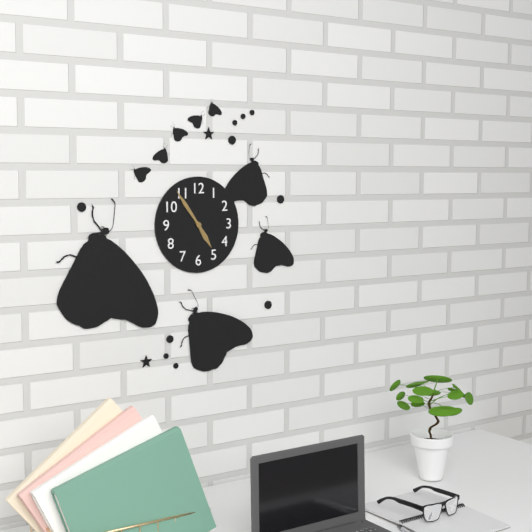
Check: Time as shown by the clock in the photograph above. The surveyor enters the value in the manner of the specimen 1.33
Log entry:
4.54
